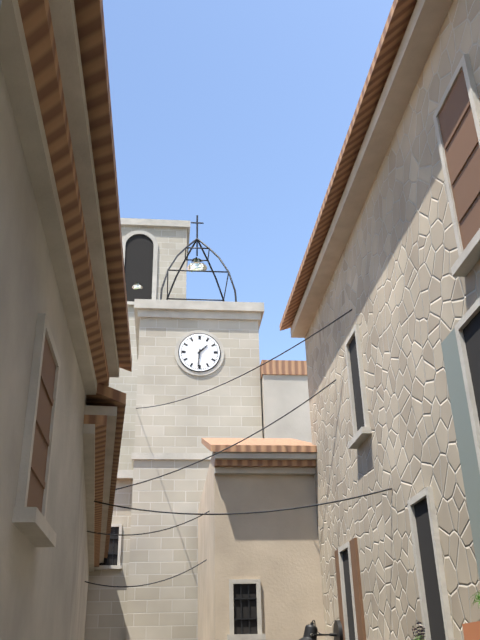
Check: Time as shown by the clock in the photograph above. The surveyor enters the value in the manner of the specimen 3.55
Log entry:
1.31
